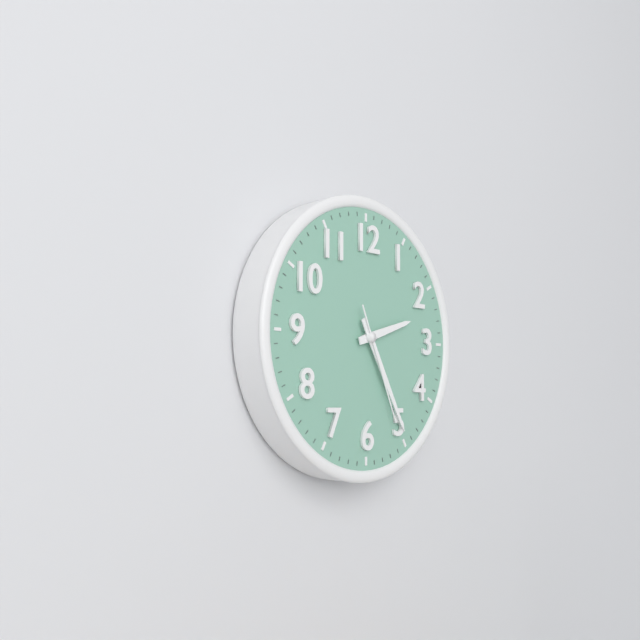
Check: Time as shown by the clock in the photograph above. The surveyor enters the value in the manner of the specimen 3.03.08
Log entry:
2.25.26
